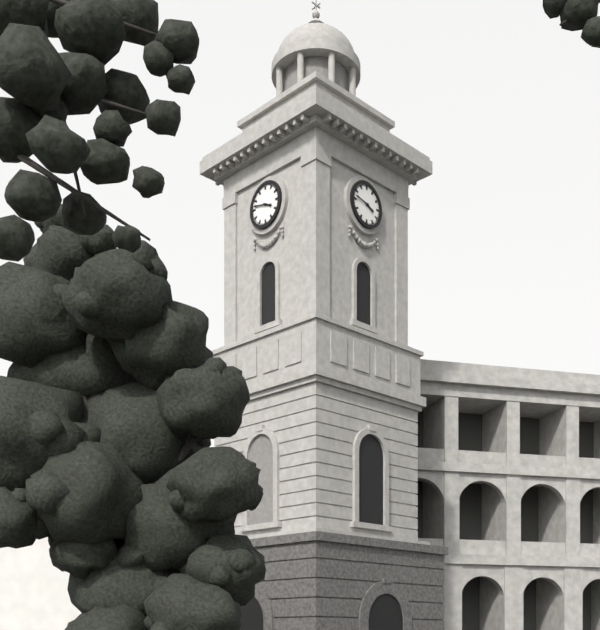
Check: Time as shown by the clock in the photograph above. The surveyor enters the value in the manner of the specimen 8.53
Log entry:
3.47
